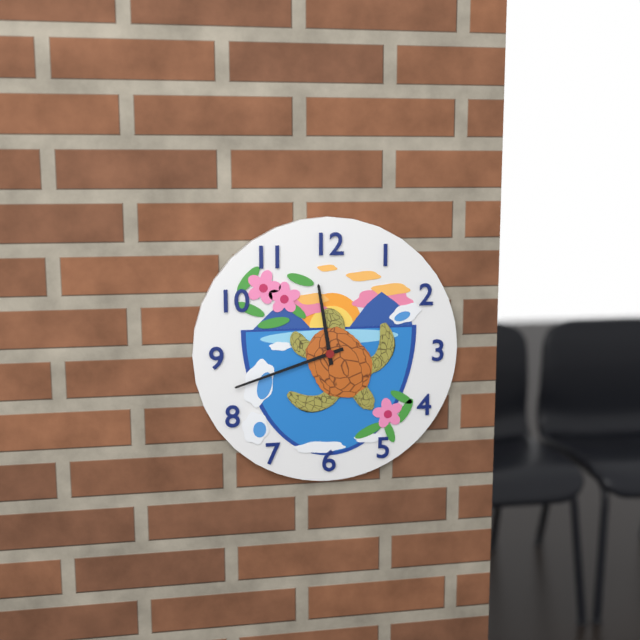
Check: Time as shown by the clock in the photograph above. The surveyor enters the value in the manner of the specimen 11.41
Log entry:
11.42
